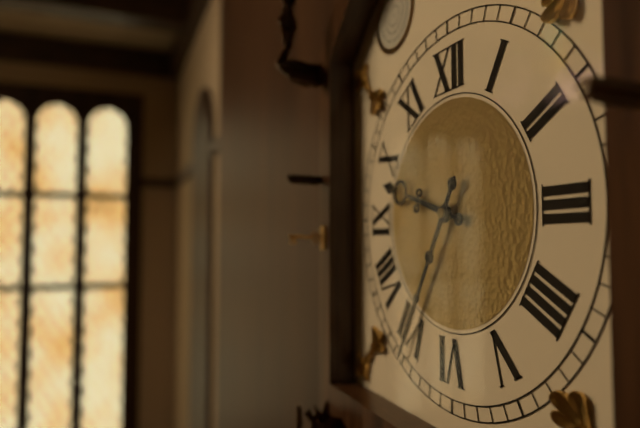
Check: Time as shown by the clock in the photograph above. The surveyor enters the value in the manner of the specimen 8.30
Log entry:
9.35
